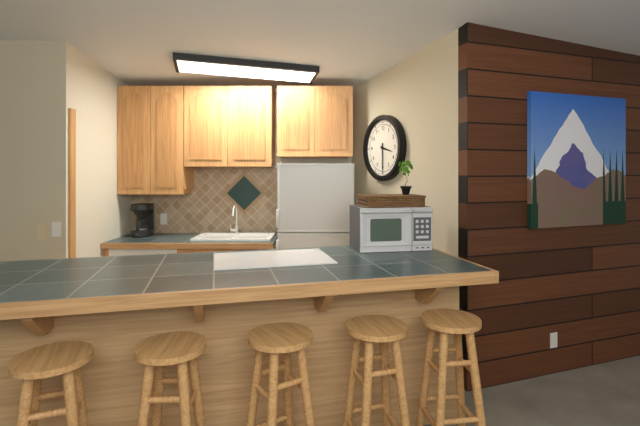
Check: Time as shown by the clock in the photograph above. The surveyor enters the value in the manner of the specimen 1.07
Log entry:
3.30
